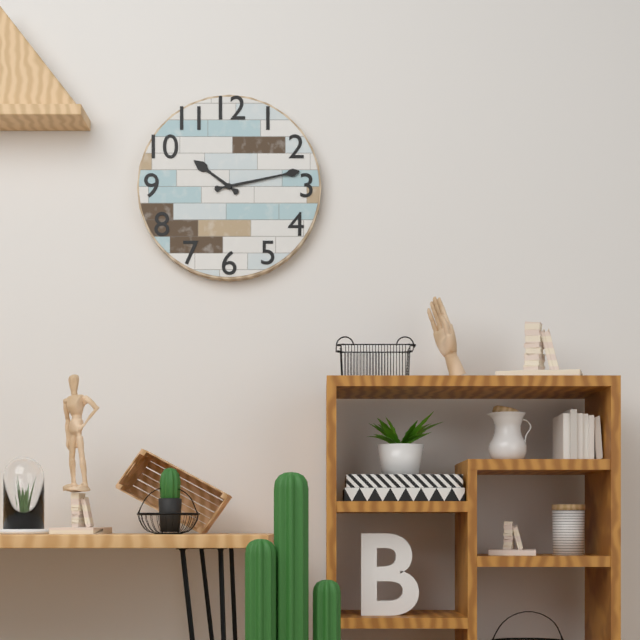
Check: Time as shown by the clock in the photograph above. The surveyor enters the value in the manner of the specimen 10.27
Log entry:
10.13
